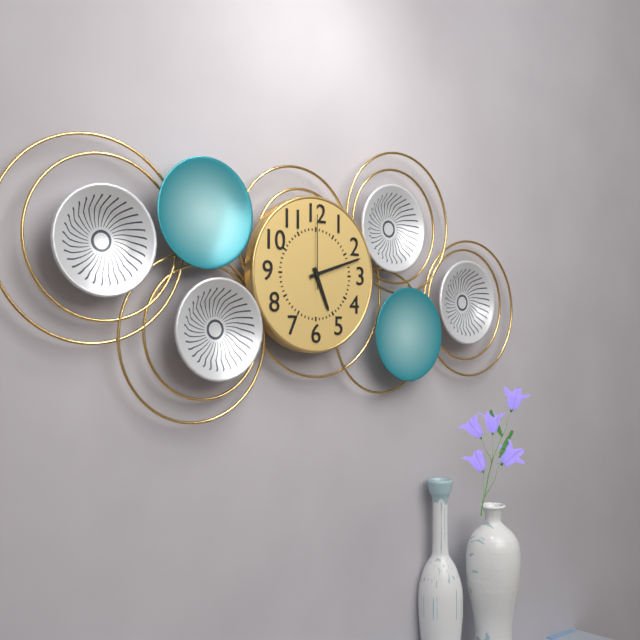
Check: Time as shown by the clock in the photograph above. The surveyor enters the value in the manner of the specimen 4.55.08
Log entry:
5.12.00
